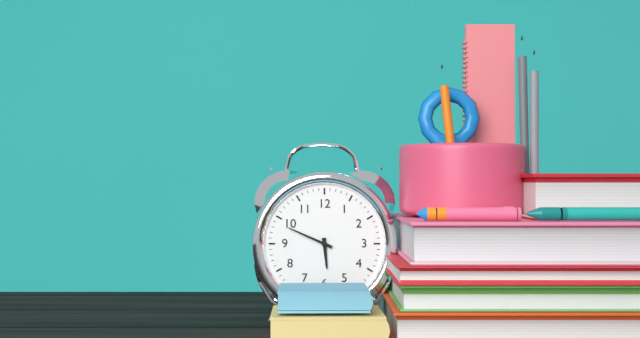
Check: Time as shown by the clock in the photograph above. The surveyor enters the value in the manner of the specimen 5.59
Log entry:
5.49
